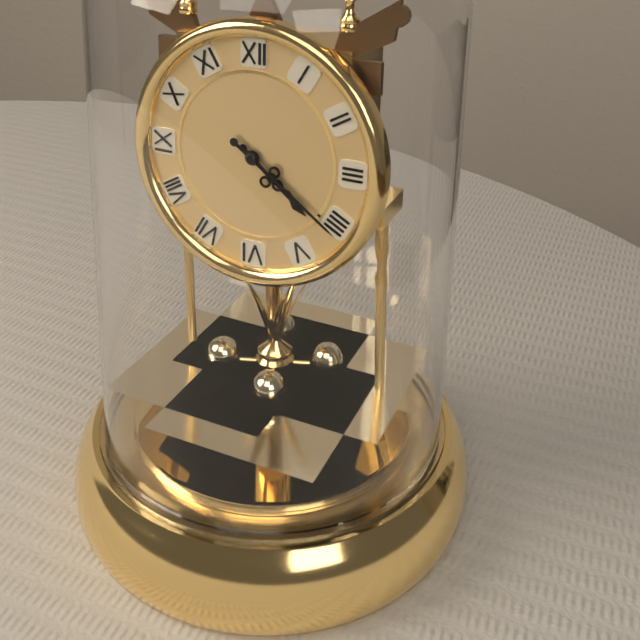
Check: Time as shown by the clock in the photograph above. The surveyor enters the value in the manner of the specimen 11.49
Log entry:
4.21
